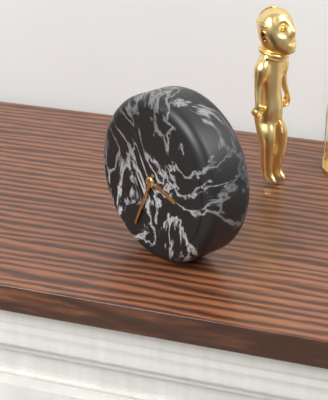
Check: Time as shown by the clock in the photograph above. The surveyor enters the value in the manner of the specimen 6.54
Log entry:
3.34
